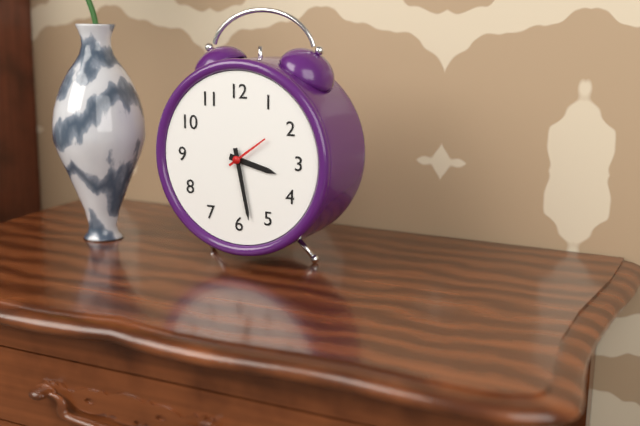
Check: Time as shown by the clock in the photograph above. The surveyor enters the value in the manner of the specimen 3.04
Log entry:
3.28
